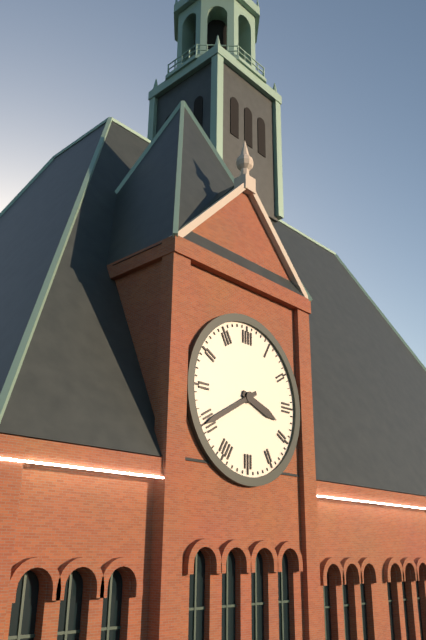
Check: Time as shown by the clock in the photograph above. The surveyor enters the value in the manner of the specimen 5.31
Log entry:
3.40
